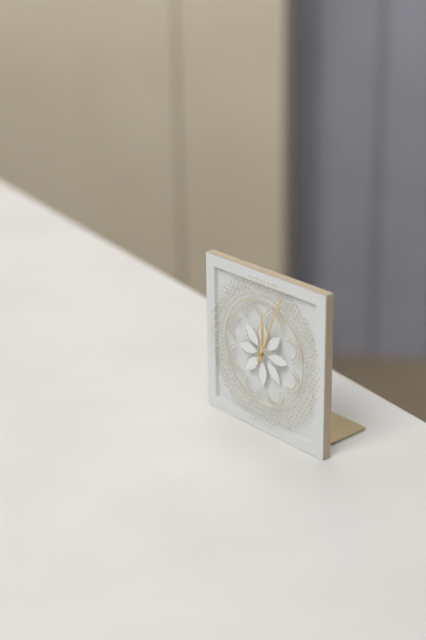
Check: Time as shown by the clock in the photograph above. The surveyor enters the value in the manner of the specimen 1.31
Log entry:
12.04
